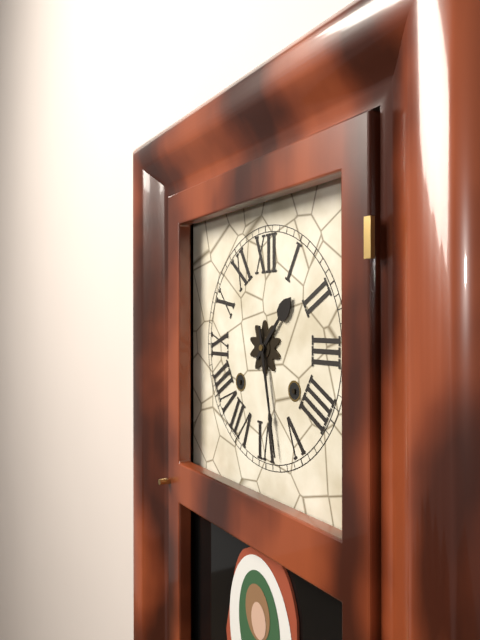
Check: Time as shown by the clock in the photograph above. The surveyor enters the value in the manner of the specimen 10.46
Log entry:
1.28
